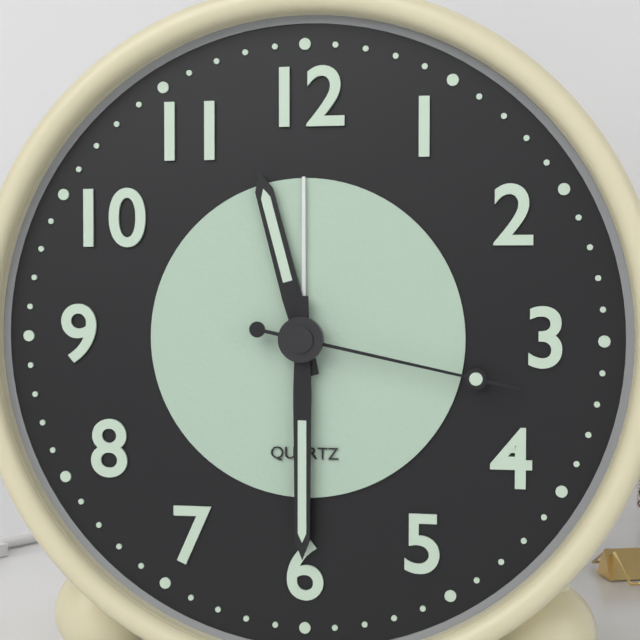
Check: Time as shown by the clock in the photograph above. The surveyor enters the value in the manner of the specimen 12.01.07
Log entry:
11.30.17
